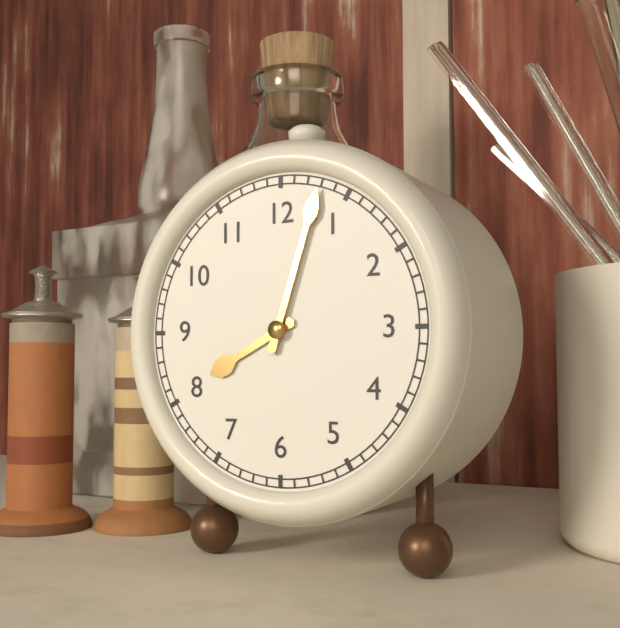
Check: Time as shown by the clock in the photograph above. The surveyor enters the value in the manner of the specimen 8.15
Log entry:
8.03
